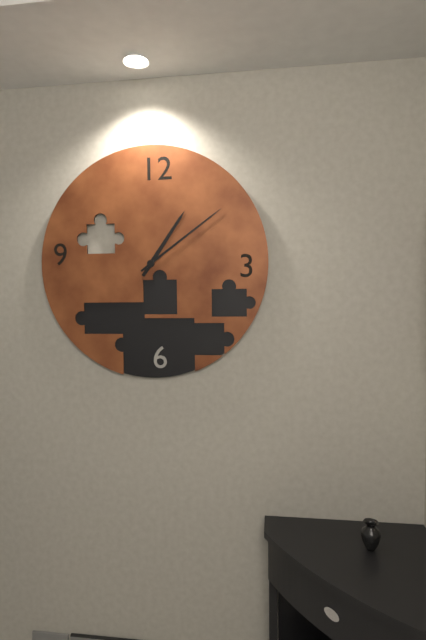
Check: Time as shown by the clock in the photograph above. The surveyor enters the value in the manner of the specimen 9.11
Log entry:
1.09
